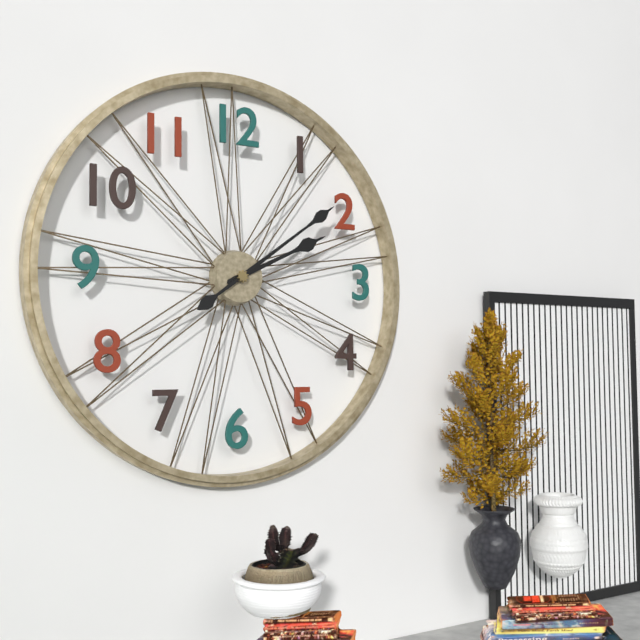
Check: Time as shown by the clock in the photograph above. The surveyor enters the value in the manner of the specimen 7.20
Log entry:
2.09
